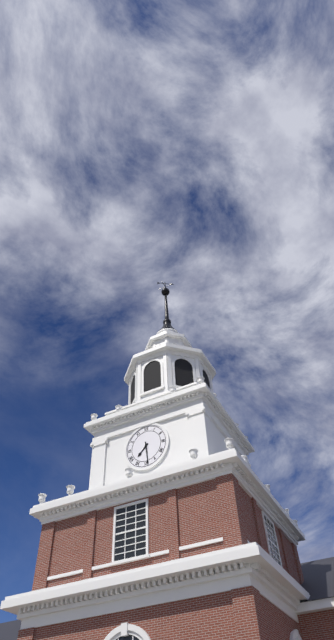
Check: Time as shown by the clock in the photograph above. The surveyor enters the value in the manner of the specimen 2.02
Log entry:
7.29
